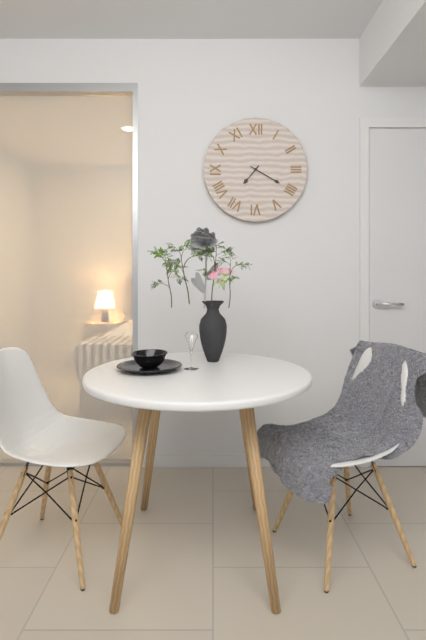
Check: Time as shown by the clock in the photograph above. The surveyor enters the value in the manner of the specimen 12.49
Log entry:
7.20
